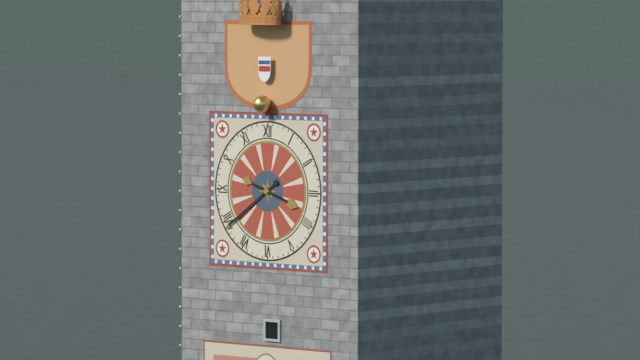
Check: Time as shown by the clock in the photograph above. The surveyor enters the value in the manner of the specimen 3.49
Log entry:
3.39
